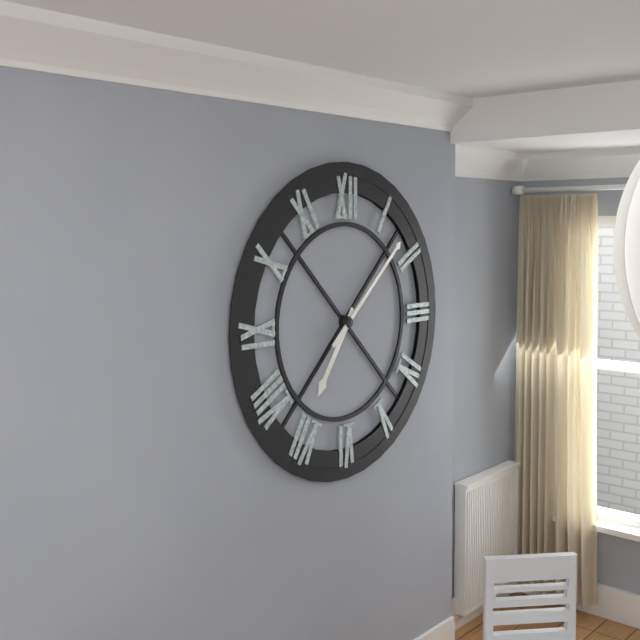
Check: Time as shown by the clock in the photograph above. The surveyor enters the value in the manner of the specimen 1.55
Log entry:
7.08
